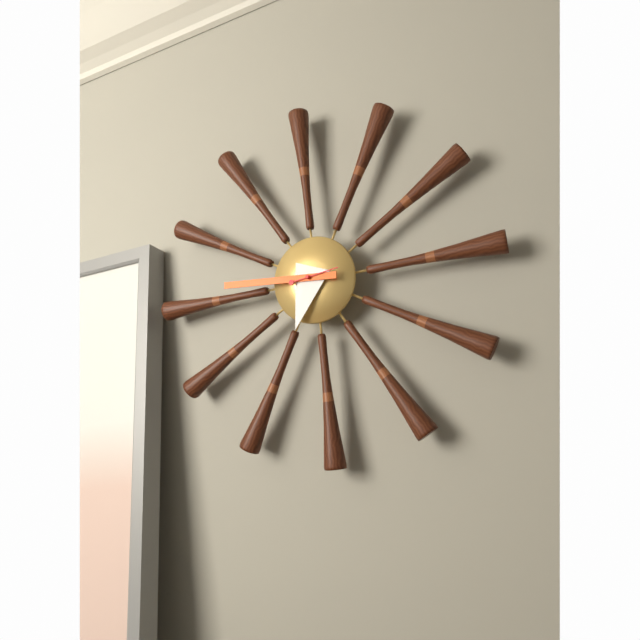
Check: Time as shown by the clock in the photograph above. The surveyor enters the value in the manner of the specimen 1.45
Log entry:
6.46
